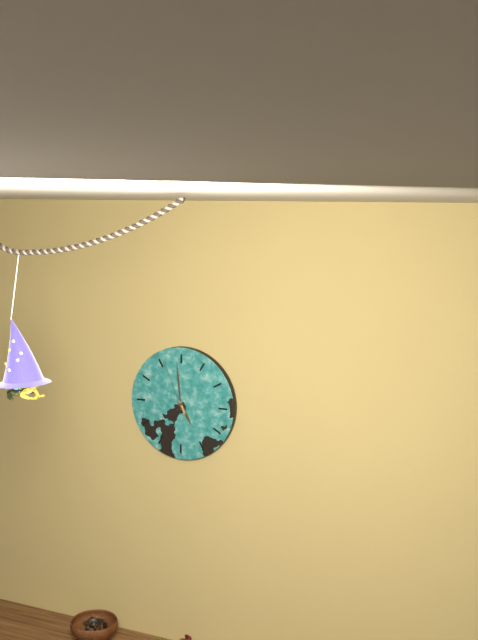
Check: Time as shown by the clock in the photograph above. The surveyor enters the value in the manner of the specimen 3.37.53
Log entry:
4.59.56
